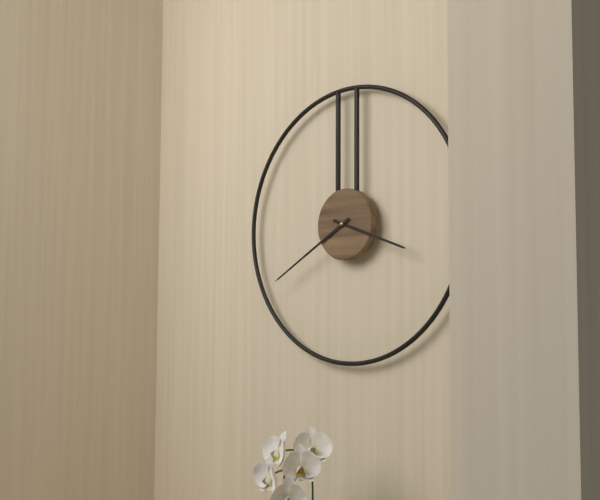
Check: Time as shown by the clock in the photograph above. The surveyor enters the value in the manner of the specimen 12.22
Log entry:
3.40
